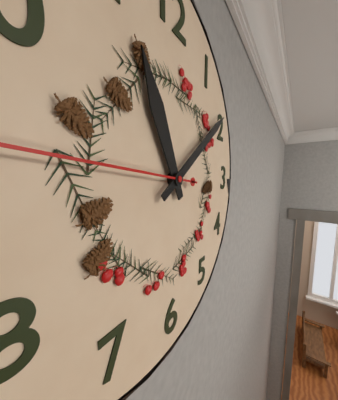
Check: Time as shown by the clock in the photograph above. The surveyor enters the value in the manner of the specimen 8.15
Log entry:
11.09
